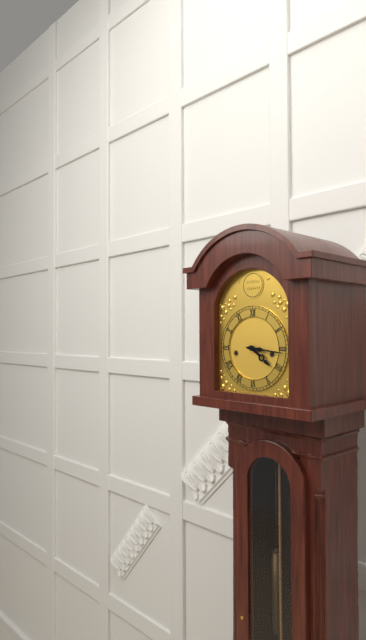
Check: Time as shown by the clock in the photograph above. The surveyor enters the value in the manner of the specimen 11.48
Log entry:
4.16
